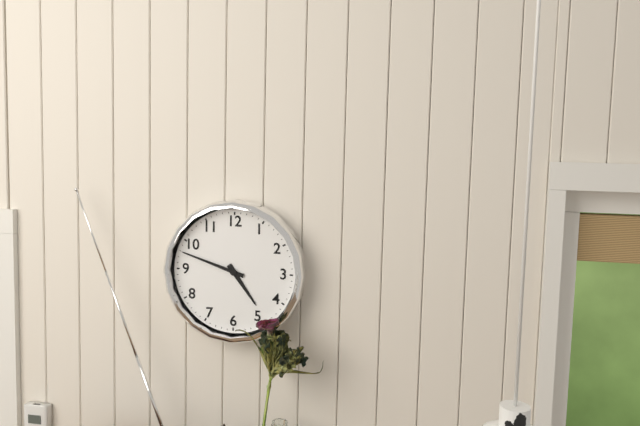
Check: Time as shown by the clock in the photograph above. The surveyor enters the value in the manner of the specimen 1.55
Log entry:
4.48
